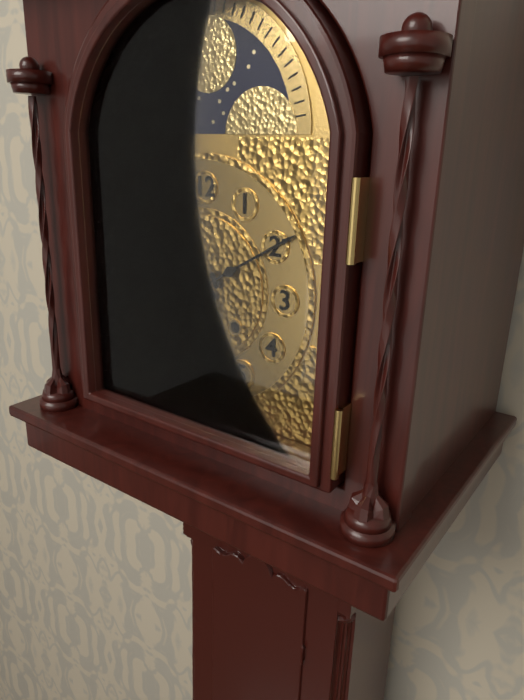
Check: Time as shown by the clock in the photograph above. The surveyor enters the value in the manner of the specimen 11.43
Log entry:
10.10
